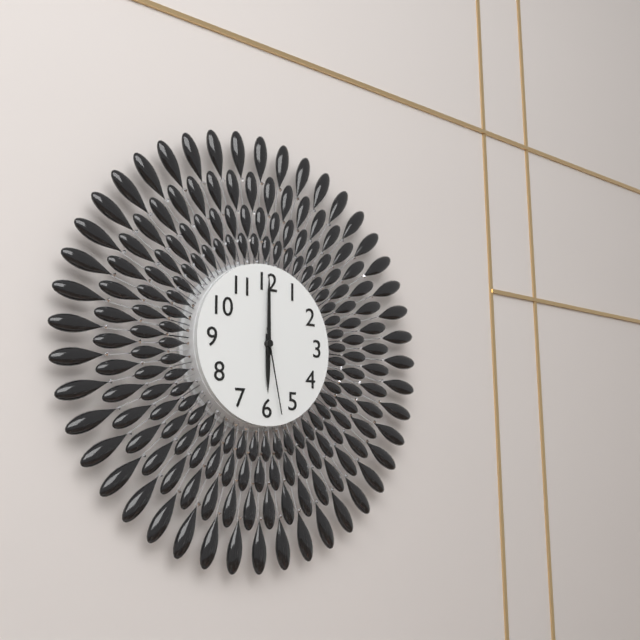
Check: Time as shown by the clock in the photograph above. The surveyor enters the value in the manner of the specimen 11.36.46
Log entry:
6.00.28
